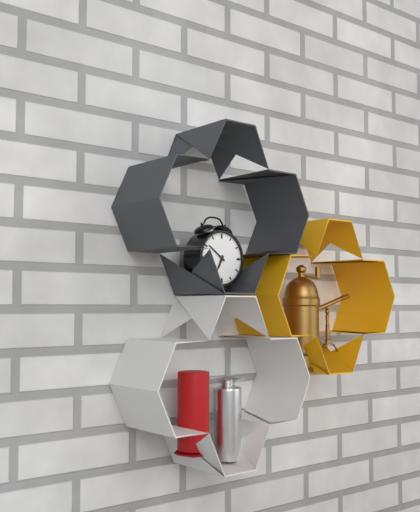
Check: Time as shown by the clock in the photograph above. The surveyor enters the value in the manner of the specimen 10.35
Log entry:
6.51
